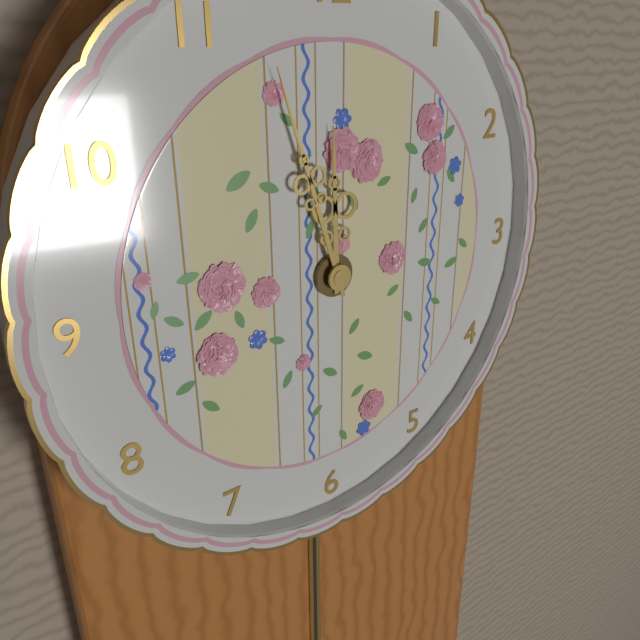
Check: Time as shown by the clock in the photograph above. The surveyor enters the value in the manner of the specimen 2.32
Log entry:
11.57
